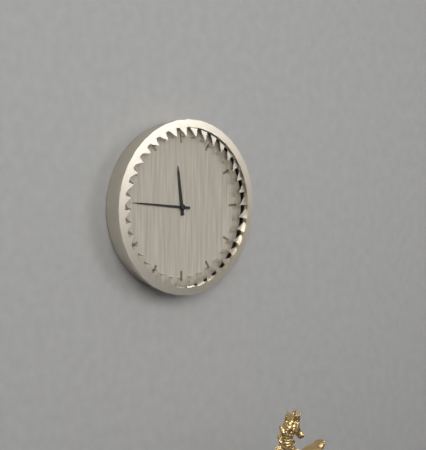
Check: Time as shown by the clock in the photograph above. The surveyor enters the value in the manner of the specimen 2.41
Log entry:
11.46
